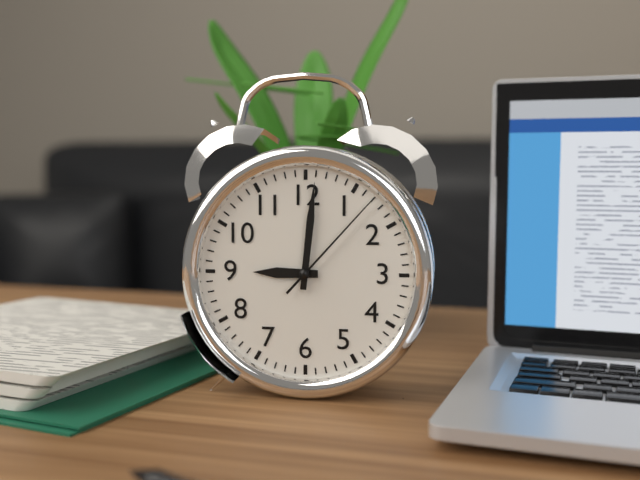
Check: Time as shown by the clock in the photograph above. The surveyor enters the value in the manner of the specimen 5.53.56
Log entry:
9.01.07
